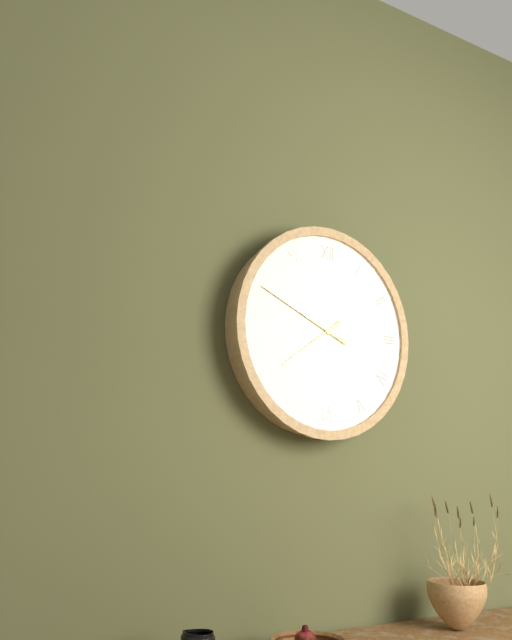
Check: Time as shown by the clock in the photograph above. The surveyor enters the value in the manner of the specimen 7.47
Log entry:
7.49
